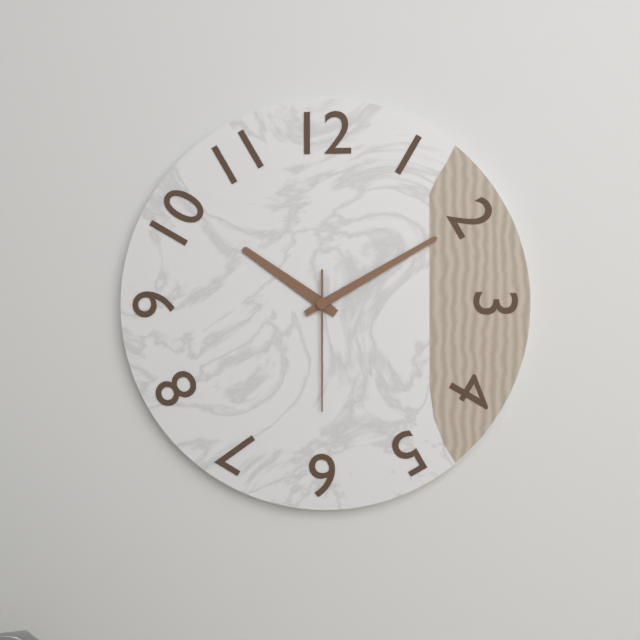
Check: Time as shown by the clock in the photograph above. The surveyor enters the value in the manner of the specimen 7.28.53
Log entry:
10.10.30
